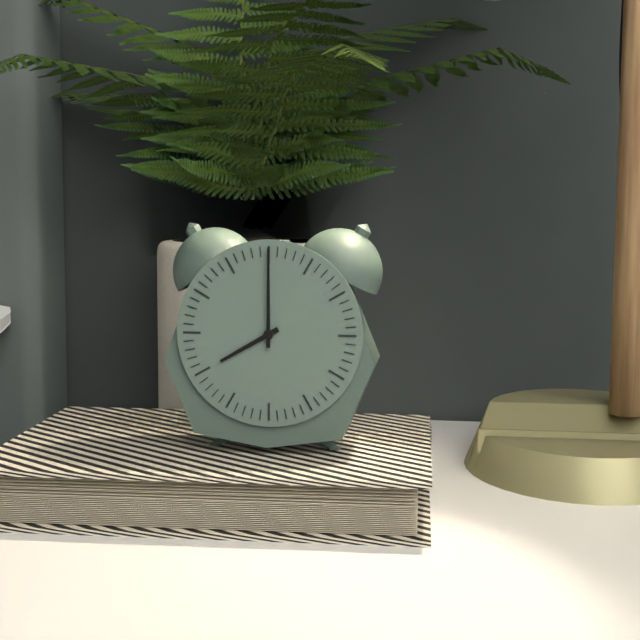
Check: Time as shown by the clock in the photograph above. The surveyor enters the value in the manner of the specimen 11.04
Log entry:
8.00
